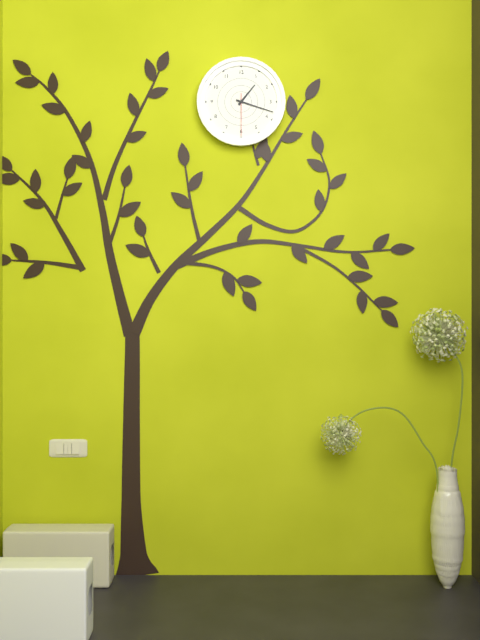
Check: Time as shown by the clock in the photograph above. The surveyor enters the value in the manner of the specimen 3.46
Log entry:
1.18
